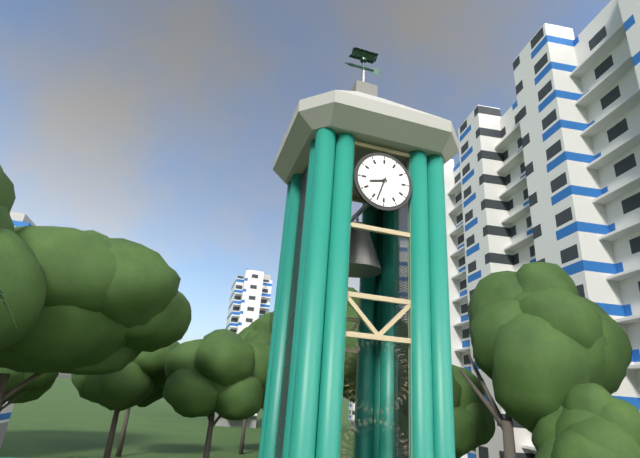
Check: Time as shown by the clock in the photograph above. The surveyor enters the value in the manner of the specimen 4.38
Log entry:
8.33
